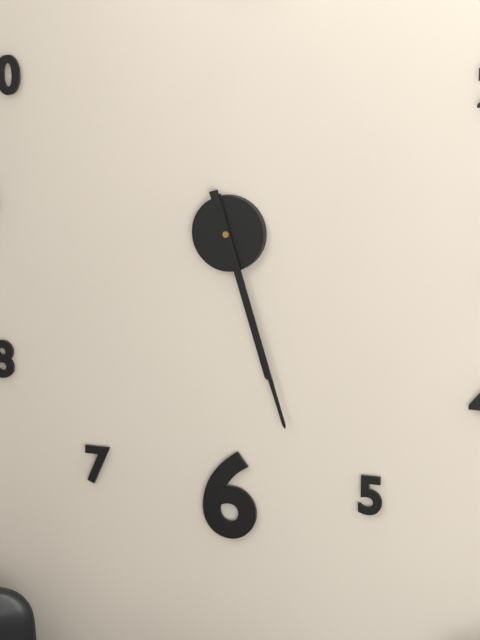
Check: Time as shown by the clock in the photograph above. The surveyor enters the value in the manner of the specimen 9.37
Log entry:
5.27
